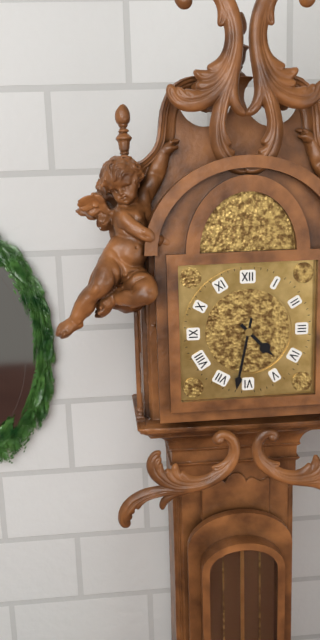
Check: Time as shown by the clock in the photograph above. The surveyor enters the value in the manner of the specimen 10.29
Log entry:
4.32
